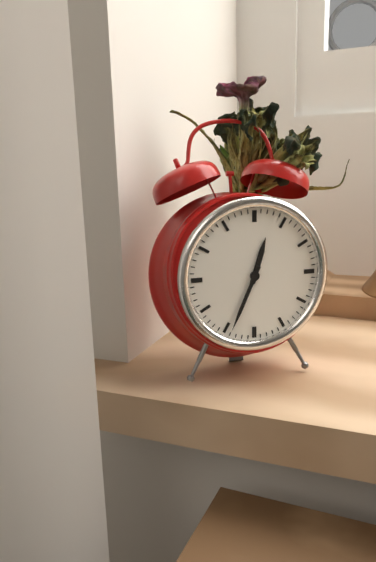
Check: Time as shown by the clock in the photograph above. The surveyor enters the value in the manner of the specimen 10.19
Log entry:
12.34
